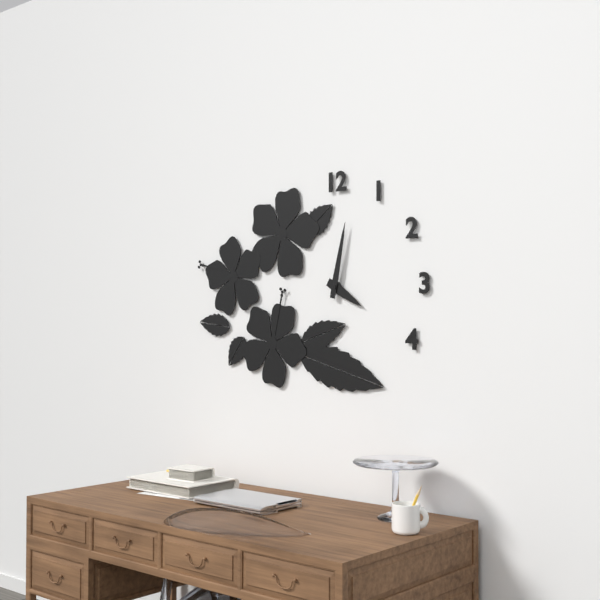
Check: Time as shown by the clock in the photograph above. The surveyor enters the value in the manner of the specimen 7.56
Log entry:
4.02
